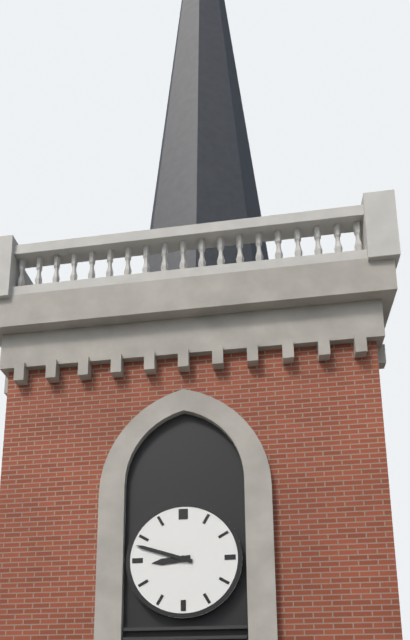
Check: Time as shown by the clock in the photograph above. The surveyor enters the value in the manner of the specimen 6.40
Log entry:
8.48
